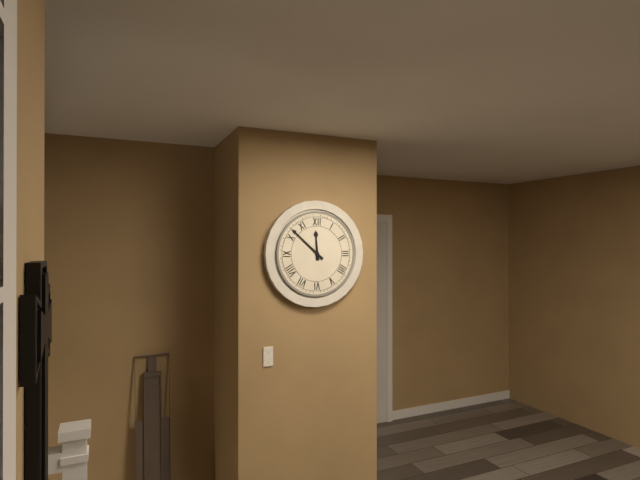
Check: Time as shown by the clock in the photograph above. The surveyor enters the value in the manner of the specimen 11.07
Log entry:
11.52
